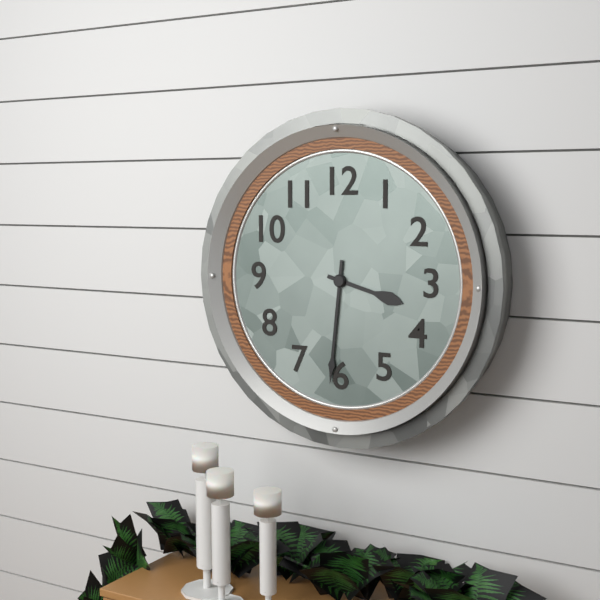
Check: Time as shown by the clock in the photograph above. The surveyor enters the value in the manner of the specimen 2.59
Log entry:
3.31
